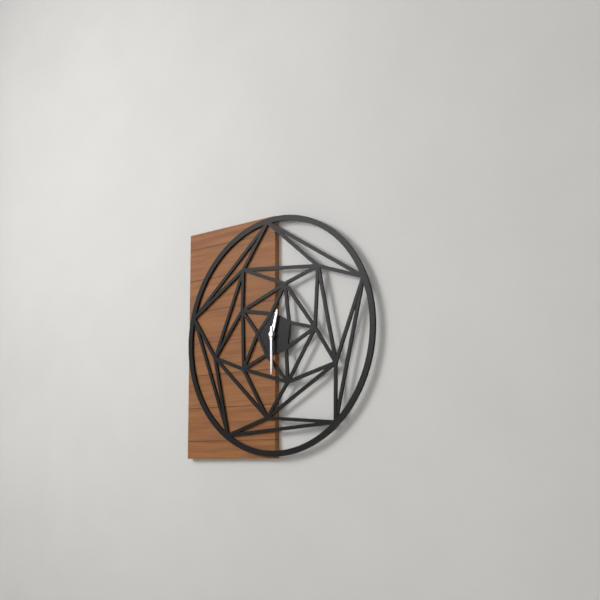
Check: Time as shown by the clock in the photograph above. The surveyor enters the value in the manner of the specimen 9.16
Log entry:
12.30
